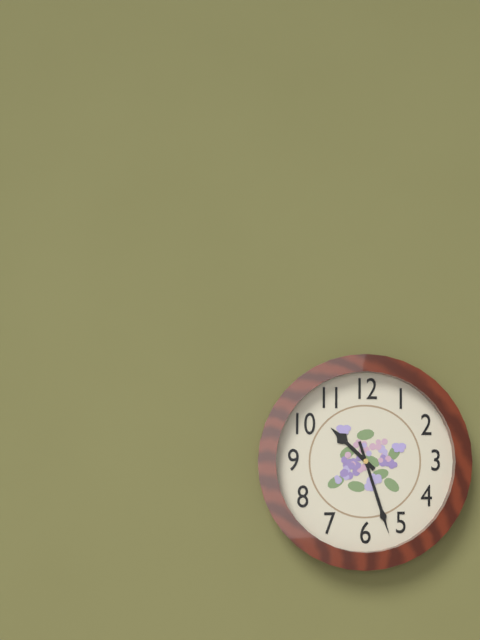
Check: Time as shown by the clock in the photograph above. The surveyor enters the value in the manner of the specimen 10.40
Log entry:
10.27
